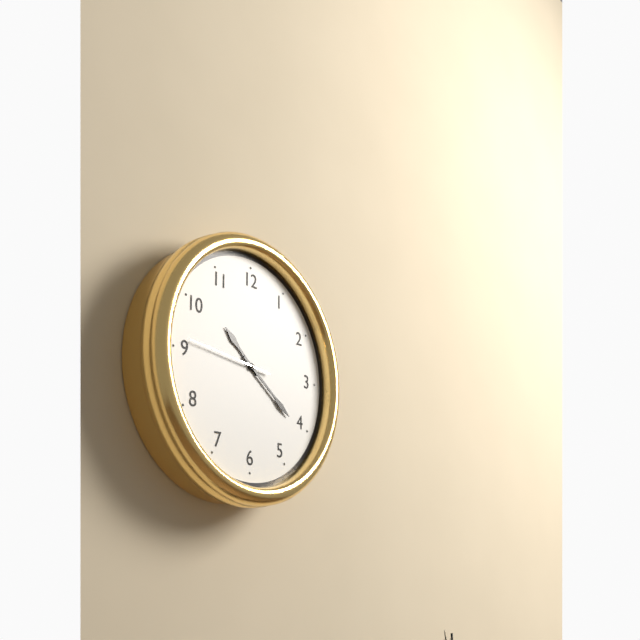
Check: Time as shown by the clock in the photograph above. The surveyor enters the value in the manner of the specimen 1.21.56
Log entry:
10.21.46
